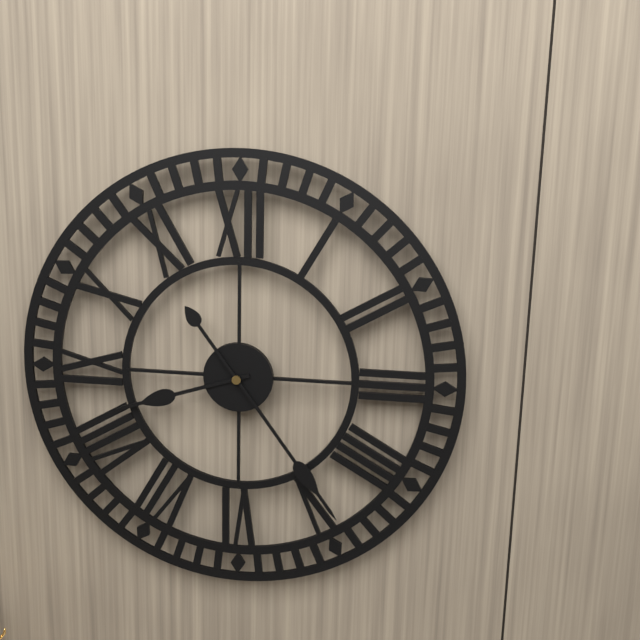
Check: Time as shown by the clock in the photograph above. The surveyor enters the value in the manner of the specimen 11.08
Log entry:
8.24
